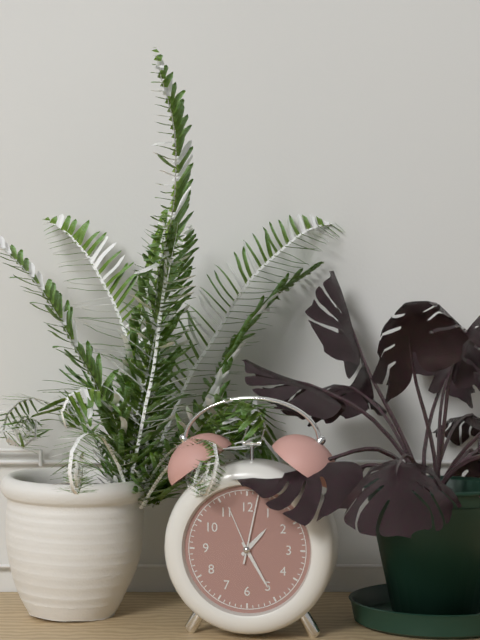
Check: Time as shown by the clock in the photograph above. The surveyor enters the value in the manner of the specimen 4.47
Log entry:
1.25
